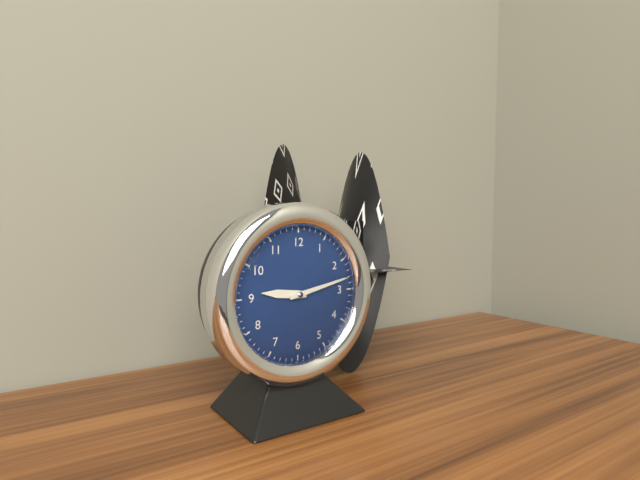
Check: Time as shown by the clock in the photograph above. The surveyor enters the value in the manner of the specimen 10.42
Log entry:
9.13
